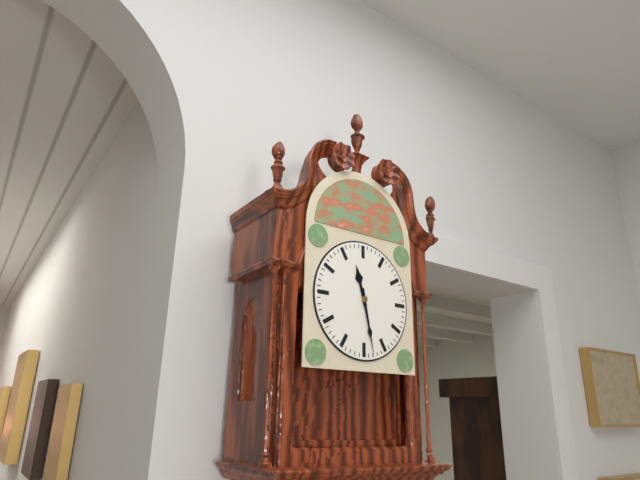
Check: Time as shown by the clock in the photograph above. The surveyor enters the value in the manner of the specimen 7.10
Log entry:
11.28
